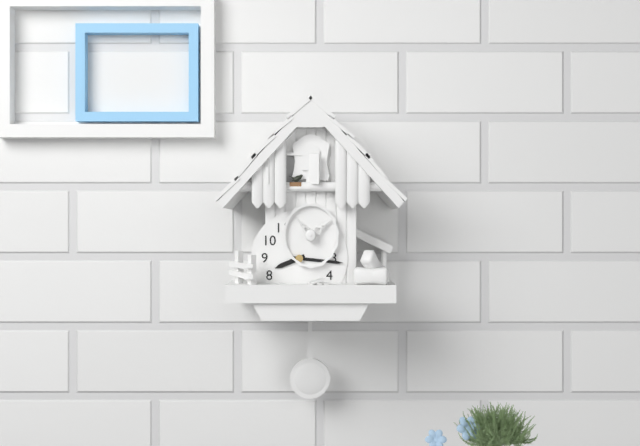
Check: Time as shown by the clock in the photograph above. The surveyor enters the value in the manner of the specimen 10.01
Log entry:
8.16
